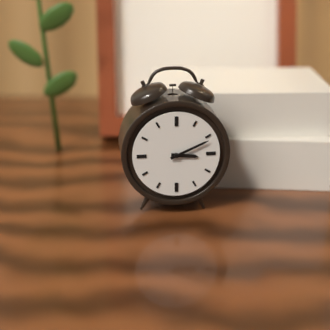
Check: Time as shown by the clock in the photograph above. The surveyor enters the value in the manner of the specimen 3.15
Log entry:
3.11
